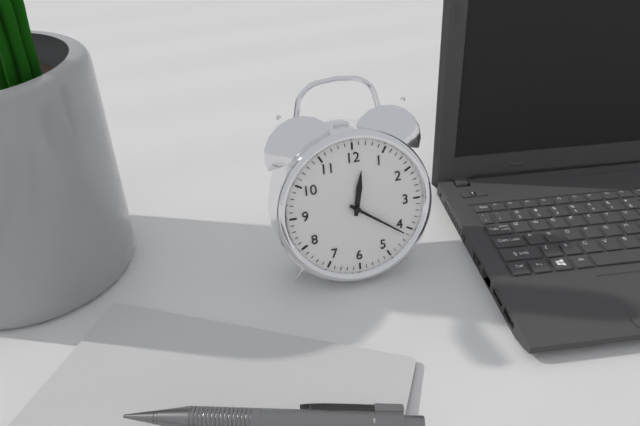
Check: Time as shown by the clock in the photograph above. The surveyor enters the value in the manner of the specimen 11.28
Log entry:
12.21
